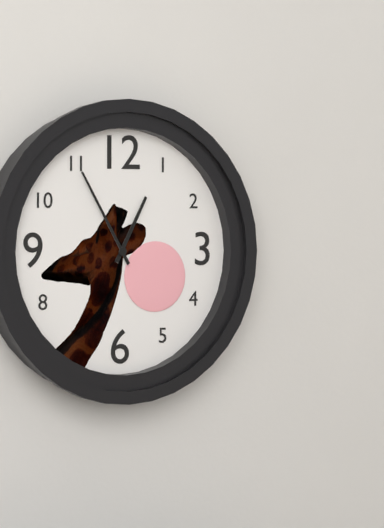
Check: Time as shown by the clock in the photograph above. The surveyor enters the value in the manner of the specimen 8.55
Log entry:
12.55
